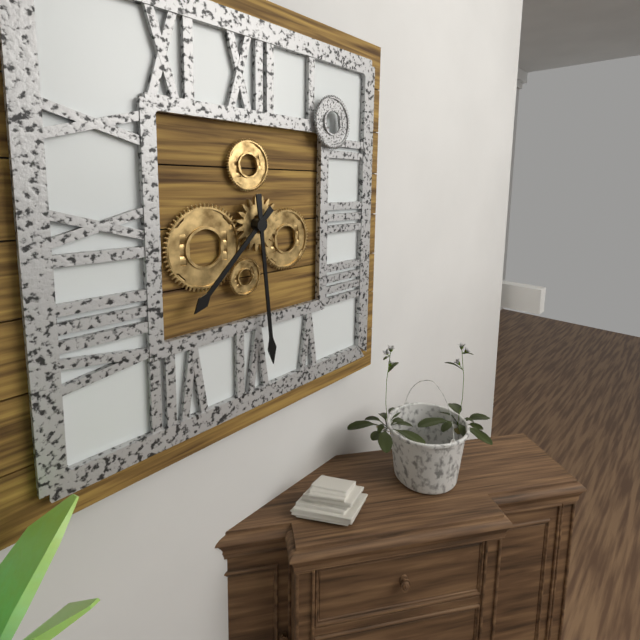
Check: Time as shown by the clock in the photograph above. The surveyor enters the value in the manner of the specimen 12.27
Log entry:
7.29
